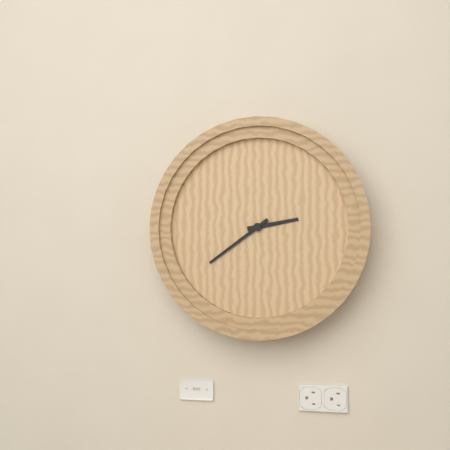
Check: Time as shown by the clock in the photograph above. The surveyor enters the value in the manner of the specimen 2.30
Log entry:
2.39
